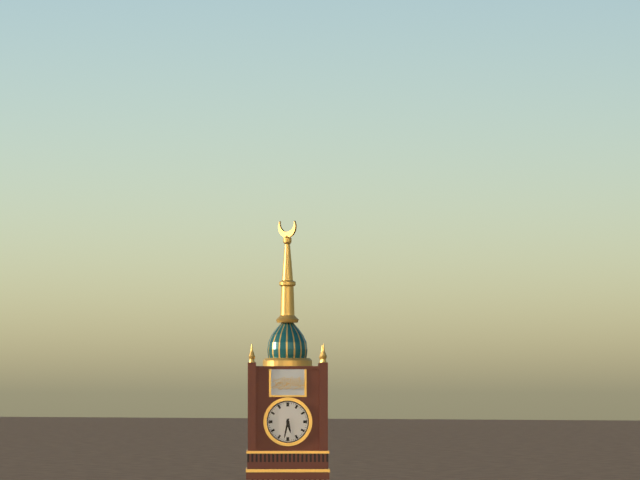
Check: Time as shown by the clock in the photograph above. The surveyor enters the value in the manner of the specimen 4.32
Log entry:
5.32
